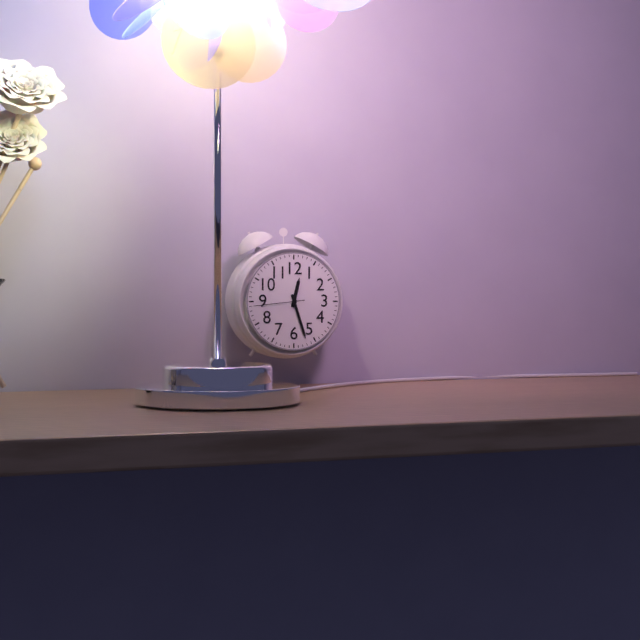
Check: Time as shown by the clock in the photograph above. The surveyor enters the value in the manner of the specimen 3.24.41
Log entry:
12.27.44
